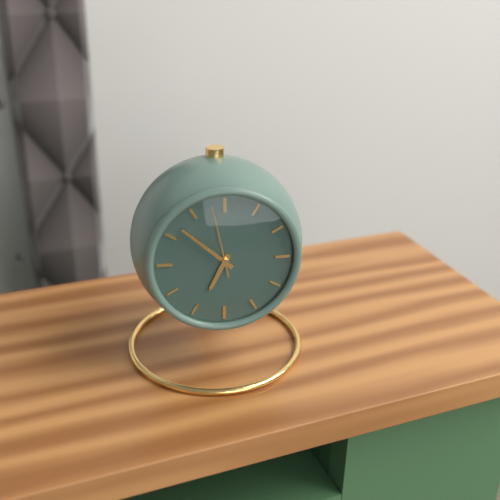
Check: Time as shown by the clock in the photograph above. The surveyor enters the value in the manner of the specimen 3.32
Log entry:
6.52
